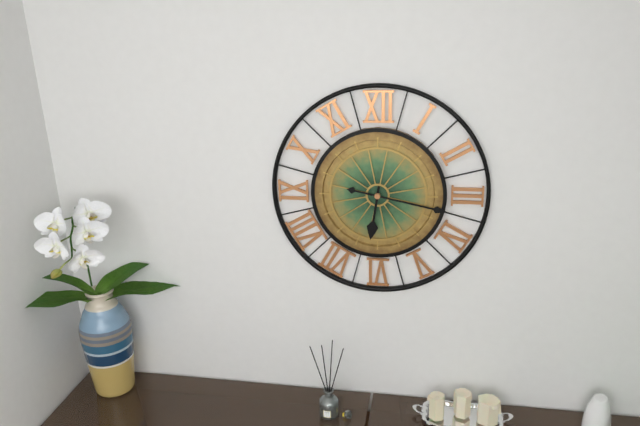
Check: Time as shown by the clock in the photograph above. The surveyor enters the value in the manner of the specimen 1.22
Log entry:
6.17
